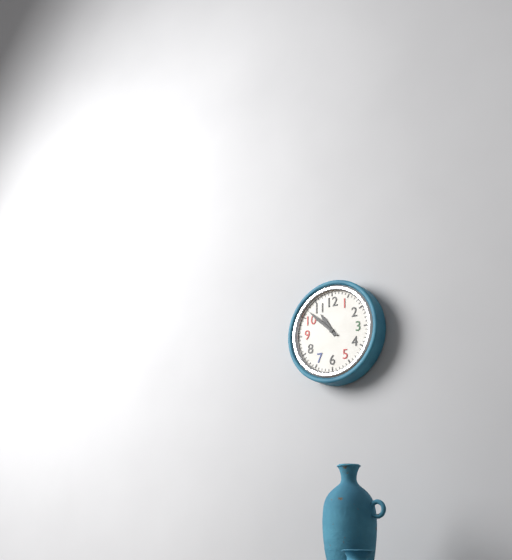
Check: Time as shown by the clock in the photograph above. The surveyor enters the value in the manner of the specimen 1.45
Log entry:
10.52
